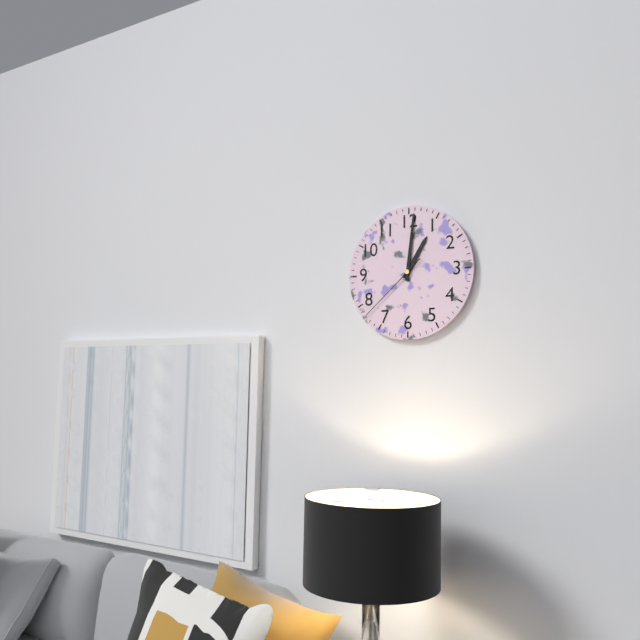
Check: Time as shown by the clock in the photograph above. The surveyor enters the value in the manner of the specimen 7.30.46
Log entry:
1.01.38
